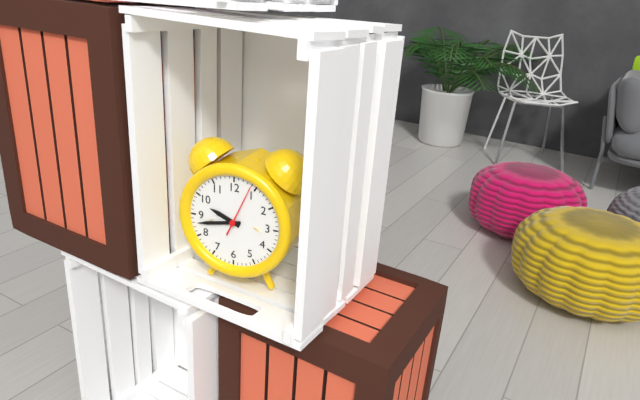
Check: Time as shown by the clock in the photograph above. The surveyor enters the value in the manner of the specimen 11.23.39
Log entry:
9.43.04
